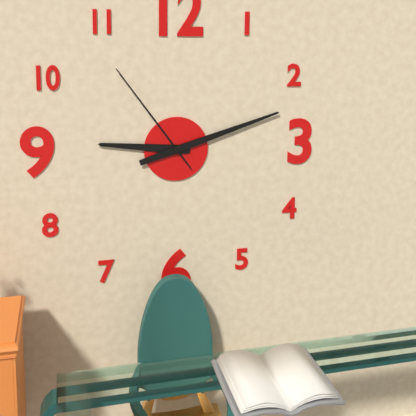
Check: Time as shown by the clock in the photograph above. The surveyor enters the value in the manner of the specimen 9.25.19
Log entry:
9.12.54
